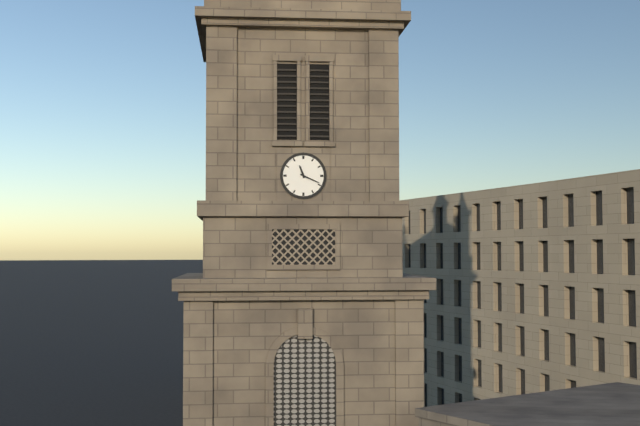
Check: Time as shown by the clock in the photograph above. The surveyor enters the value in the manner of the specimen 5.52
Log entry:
11.19
